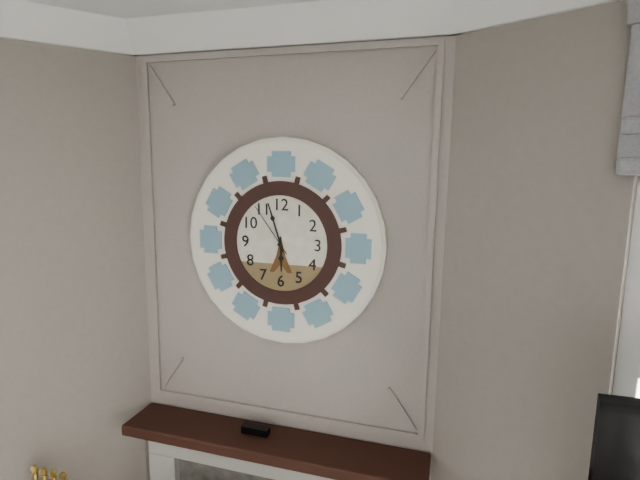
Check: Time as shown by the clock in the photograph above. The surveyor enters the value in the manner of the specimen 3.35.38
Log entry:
5.57.54
